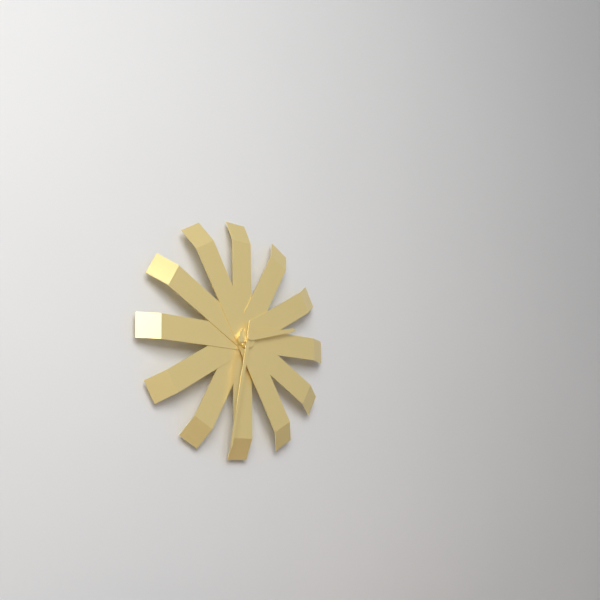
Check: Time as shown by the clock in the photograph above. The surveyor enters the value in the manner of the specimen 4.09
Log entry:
2.32
